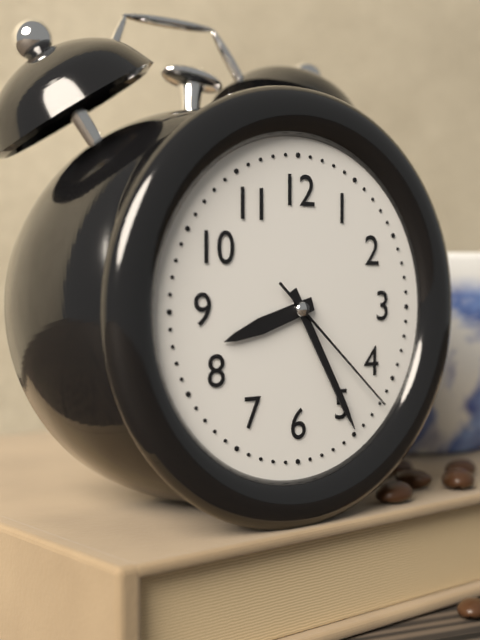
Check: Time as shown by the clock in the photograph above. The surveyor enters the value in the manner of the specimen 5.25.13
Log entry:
8.25.22
